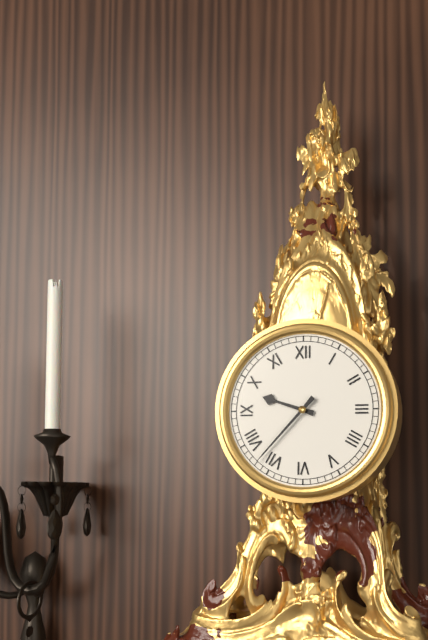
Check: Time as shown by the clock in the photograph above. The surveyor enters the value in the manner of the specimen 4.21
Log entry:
9.37
